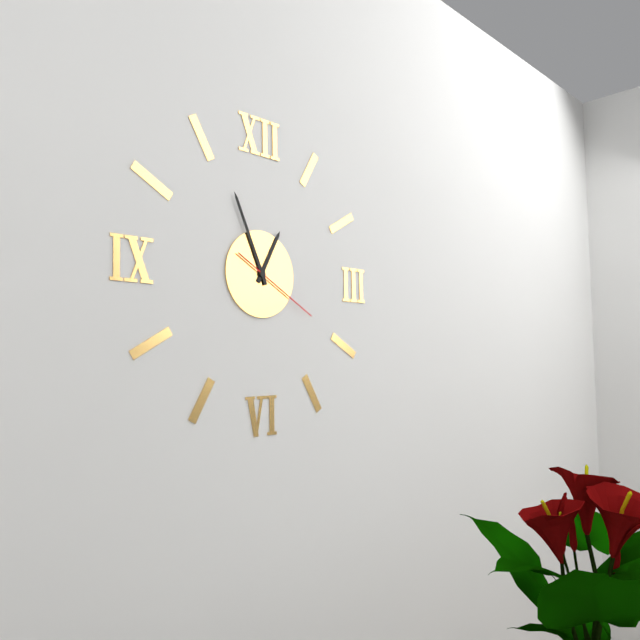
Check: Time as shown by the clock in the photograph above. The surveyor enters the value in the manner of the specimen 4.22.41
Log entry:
12.56.20
